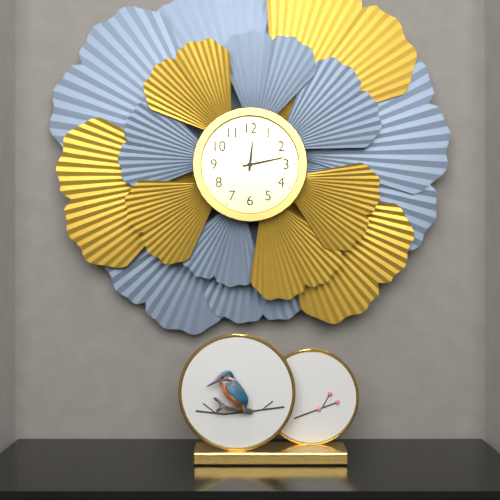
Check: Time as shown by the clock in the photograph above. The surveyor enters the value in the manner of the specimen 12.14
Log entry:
12.13
